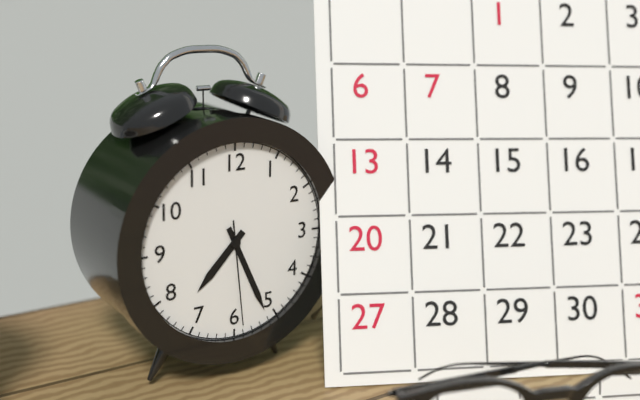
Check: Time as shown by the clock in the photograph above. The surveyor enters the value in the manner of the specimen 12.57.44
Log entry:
7.26.29
